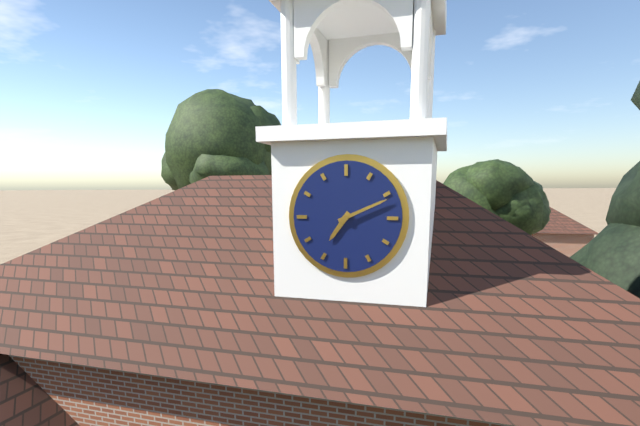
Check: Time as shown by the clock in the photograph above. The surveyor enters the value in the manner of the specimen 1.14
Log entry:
7.11
